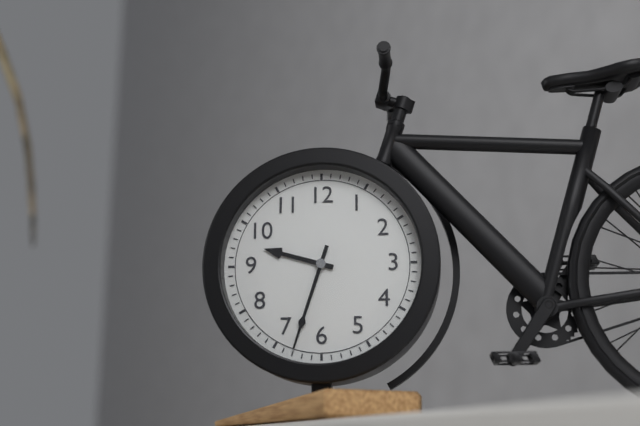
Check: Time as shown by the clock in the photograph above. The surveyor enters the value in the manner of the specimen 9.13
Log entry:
9.33
